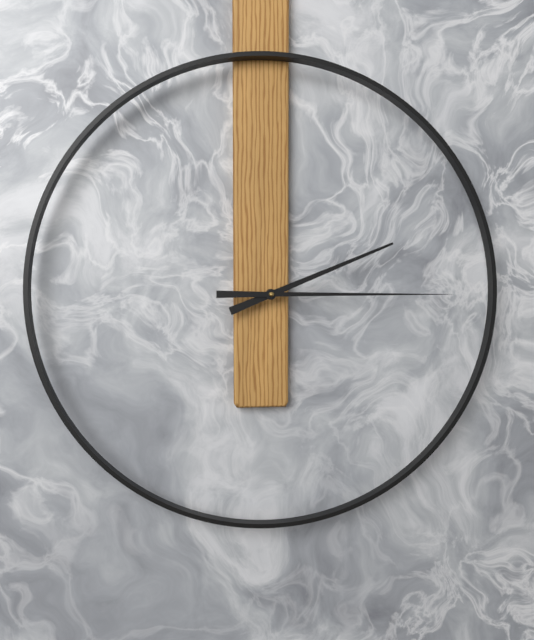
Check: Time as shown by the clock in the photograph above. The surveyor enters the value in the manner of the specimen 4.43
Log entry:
2.15
